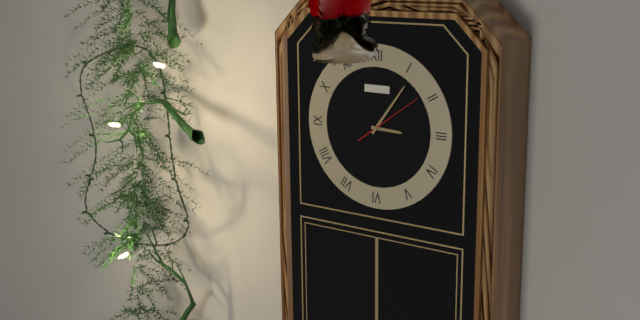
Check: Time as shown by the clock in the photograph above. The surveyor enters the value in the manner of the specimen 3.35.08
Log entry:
3.06.09
